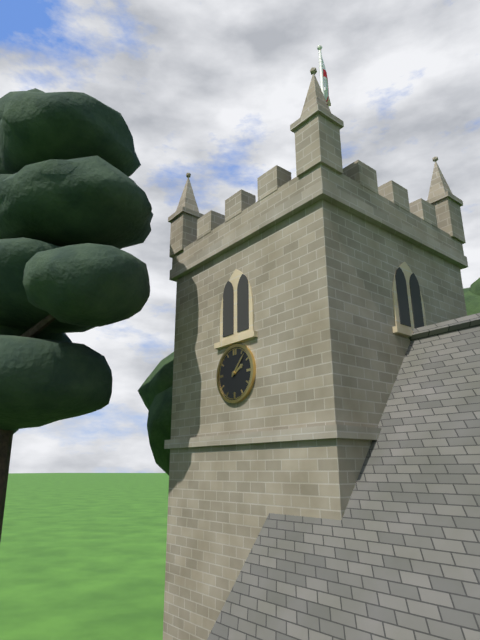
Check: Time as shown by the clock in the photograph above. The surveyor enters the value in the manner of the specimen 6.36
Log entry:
2.07
